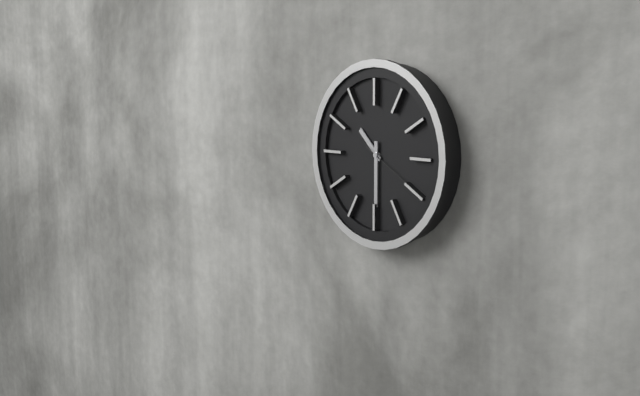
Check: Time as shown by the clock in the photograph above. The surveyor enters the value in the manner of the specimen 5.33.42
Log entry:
10.30.20
